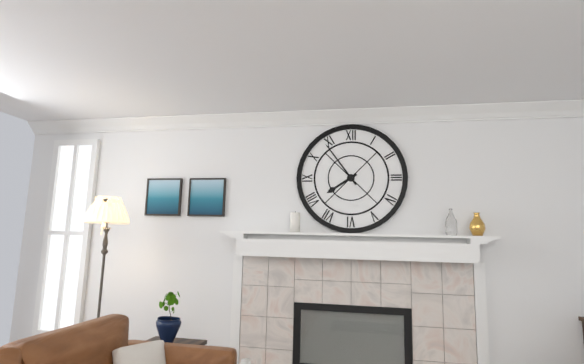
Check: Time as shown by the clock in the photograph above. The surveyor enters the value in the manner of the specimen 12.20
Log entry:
7.54
